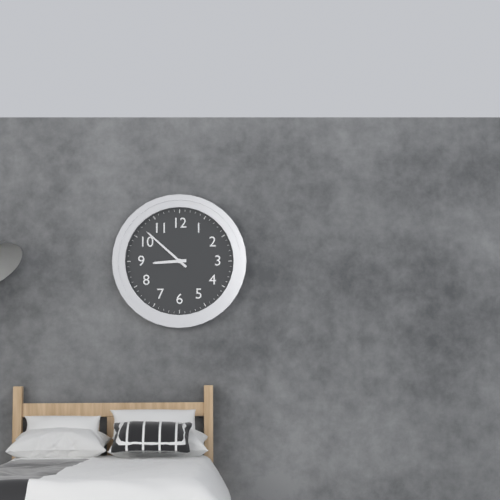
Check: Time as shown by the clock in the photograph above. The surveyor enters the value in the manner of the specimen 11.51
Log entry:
8.52
